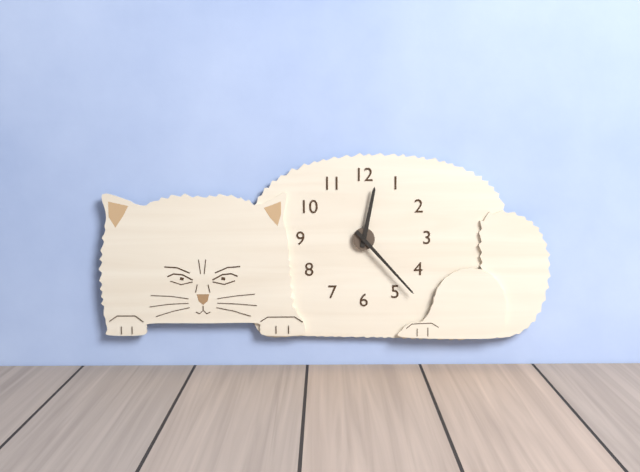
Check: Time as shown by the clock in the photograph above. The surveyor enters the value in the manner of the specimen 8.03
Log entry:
12.23
